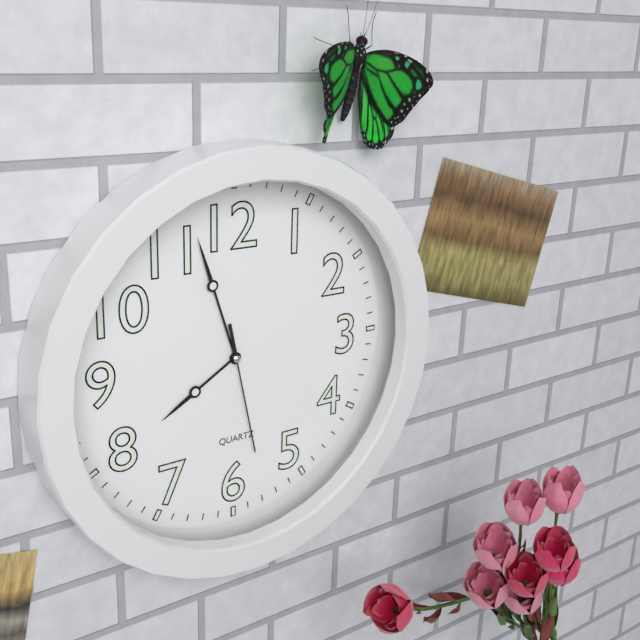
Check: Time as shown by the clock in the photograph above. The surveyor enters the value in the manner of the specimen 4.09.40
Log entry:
7.57.28
